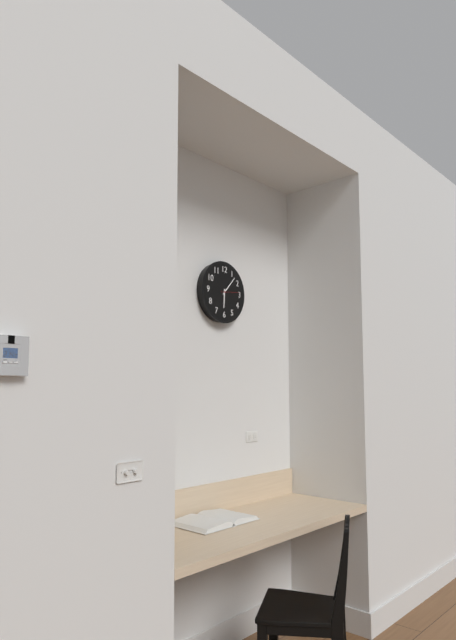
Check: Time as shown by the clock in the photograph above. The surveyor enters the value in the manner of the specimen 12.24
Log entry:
6.07
